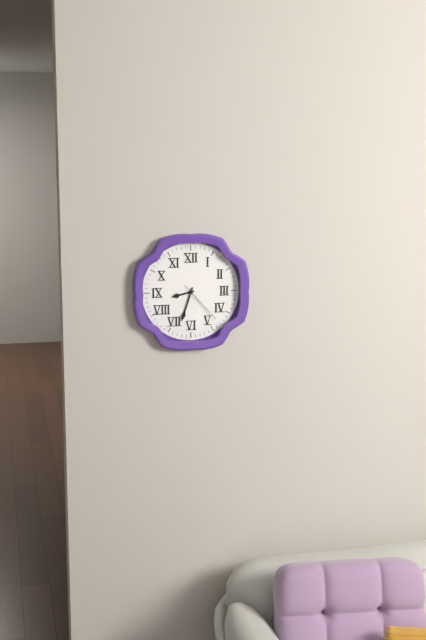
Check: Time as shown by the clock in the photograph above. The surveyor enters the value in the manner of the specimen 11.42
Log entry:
8.33
